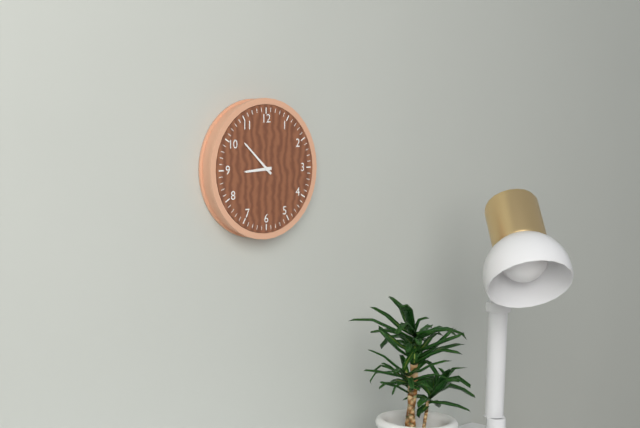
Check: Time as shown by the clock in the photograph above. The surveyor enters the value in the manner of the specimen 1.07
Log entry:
8.52
